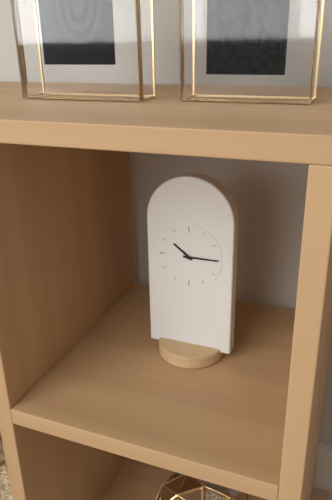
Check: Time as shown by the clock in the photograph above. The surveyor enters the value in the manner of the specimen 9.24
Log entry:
10.15
